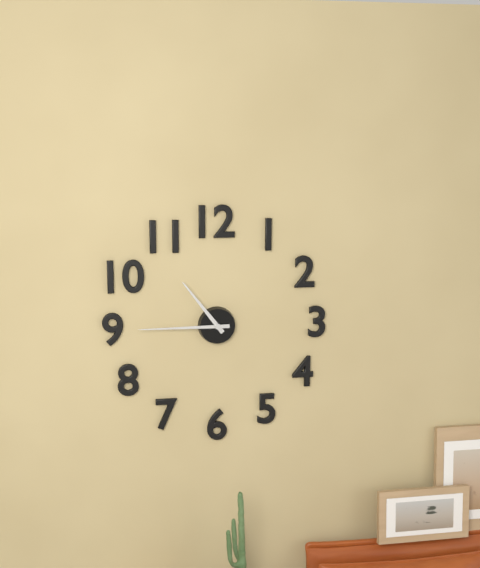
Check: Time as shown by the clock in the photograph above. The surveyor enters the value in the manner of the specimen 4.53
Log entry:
10.45
